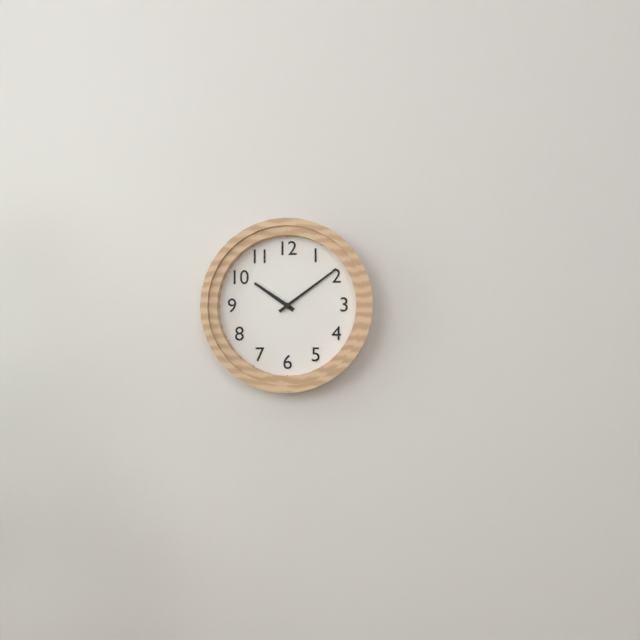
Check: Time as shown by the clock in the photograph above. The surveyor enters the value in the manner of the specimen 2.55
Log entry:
10.09
